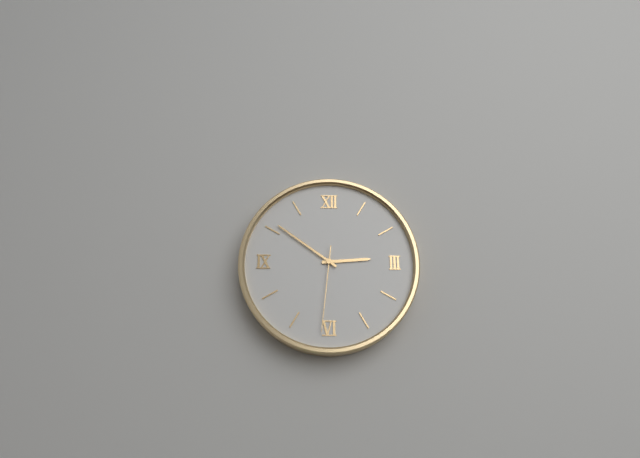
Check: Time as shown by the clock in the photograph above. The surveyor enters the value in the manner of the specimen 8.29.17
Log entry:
2.51.31
